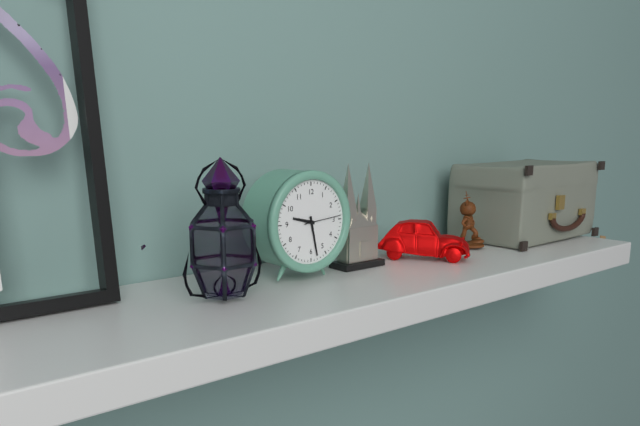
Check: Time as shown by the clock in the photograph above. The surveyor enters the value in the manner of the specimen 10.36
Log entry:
9.28
